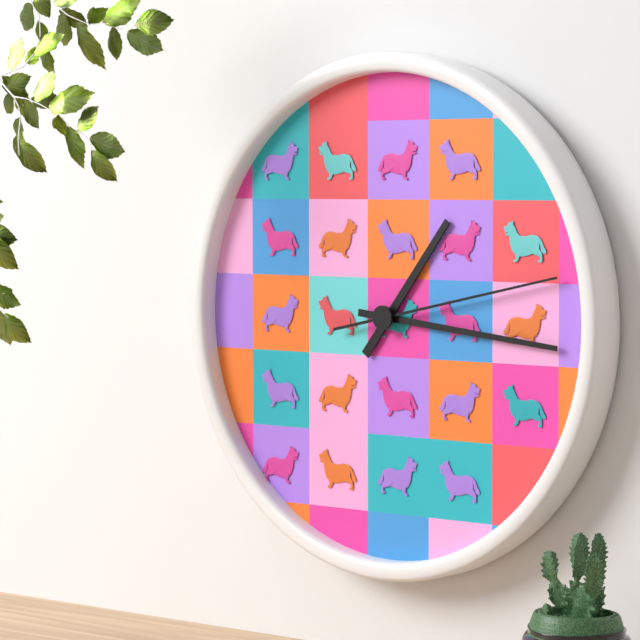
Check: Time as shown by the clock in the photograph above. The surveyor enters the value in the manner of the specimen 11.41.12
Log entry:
1.16.13
